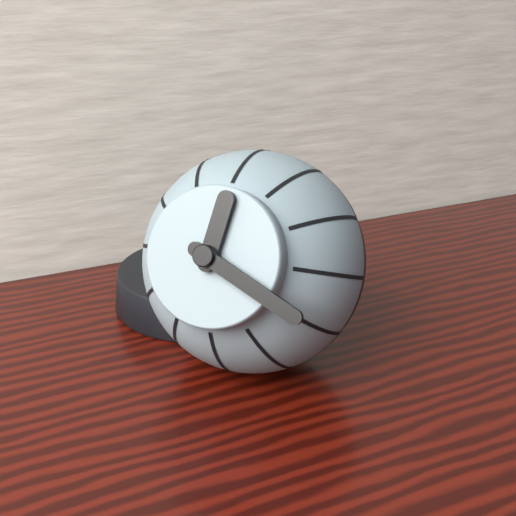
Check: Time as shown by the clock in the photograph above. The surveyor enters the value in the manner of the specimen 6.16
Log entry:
12.19
